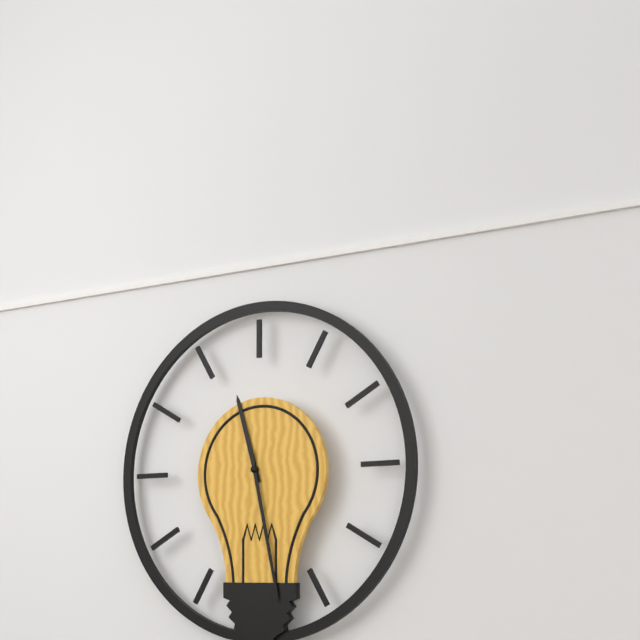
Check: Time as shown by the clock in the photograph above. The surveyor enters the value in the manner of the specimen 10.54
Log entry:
11.28
